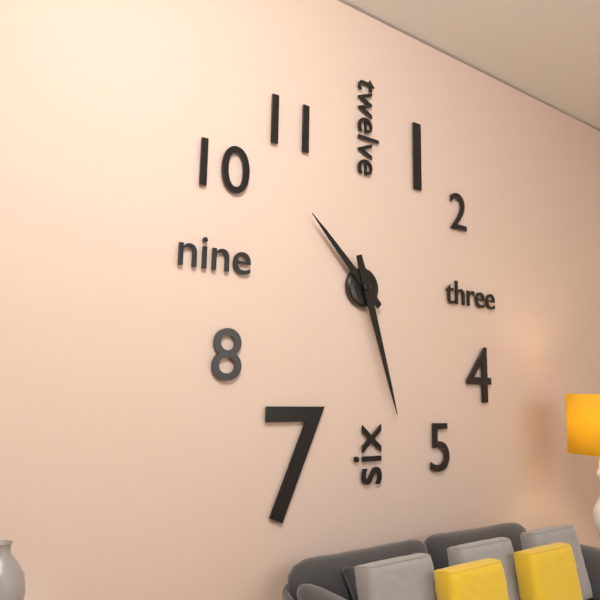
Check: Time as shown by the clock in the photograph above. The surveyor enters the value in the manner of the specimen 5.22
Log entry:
10.27
